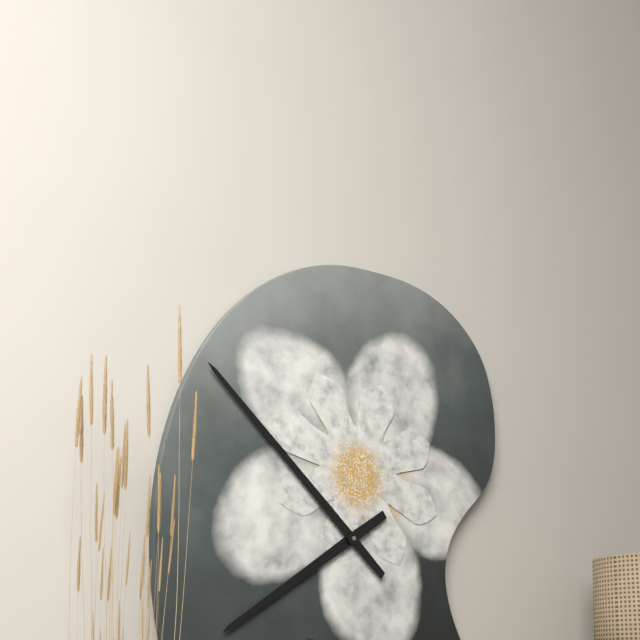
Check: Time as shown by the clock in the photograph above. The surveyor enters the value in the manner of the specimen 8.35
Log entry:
7.52
